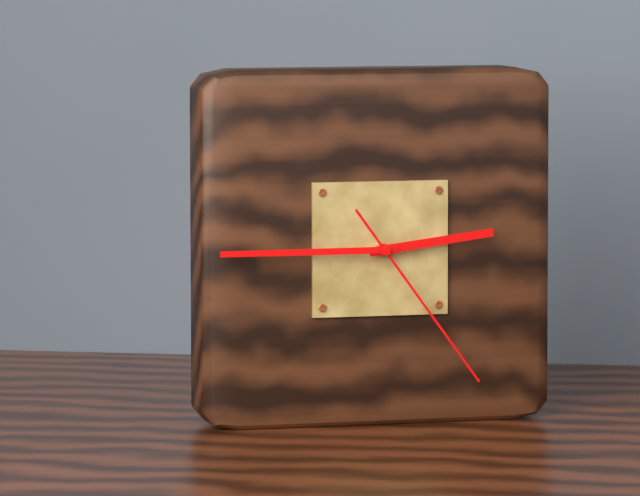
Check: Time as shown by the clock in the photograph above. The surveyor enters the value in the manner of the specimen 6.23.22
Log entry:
2.45.24
